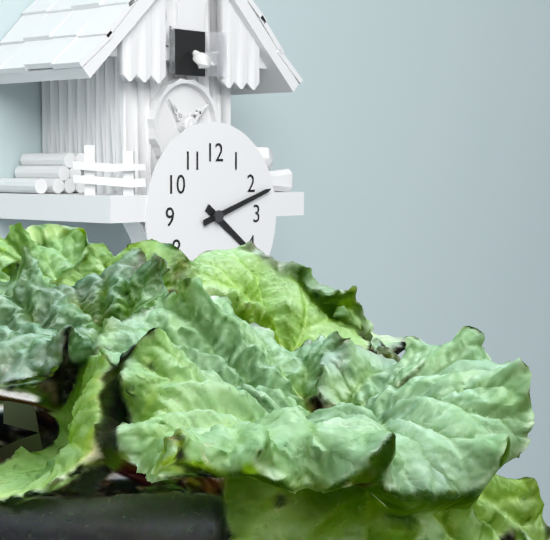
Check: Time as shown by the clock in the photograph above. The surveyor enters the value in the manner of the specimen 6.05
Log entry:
4.12
